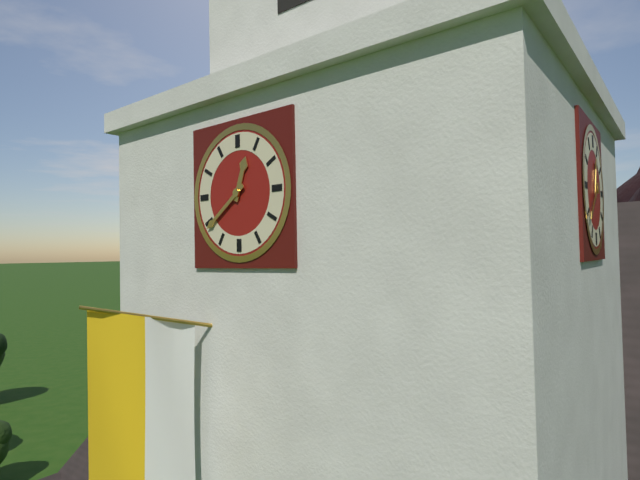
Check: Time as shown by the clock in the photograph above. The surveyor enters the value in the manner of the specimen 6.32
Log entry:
12.39
